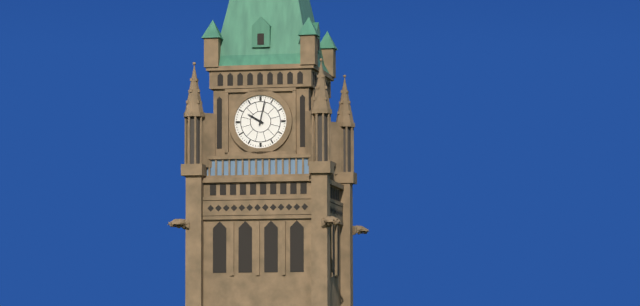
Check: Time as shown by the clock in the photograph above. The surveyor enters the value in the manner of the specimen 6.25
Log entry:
10.02
